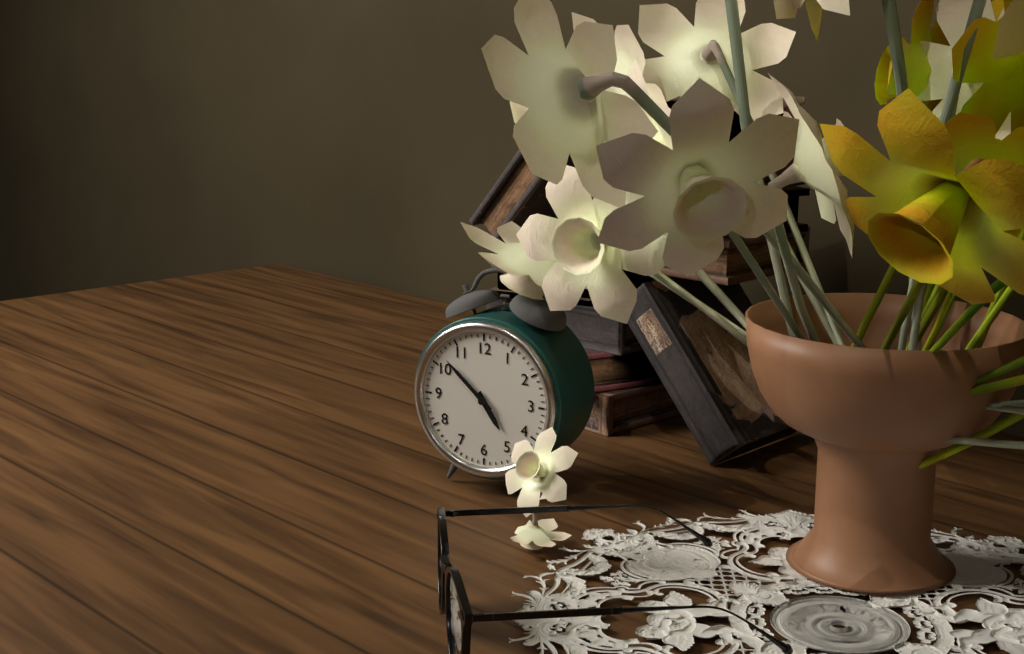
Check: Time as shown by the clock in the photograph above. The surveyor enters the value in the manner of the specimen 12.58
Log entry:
4.52
